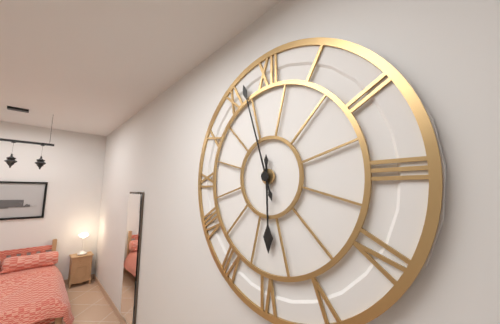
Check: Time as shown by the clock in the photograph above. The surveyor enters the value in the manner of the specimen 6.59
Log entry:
5.57
